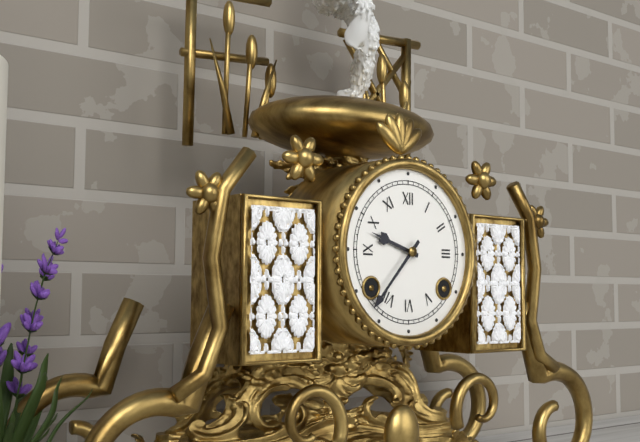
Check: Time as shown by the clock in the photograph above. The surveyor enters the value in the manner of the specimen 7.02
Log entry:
9.37
